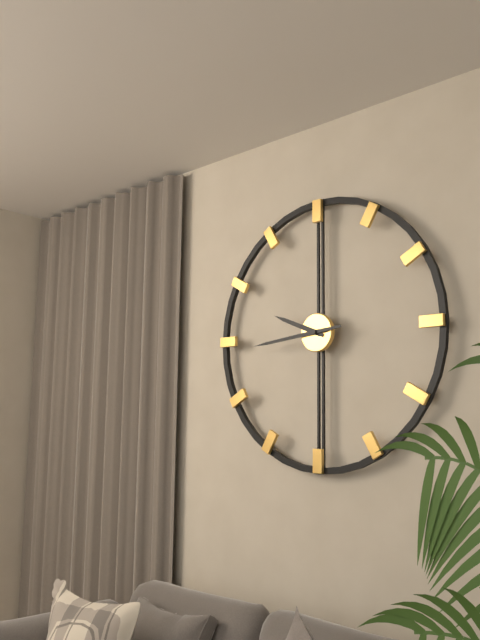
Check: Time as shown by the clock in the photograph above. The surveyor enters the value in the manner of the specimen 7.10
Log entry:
9.44
